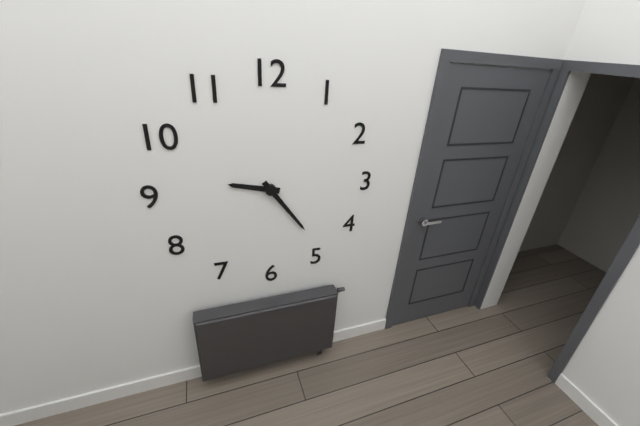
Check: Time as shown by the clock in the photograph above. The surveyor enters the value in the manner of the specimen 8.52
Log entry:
9.24
